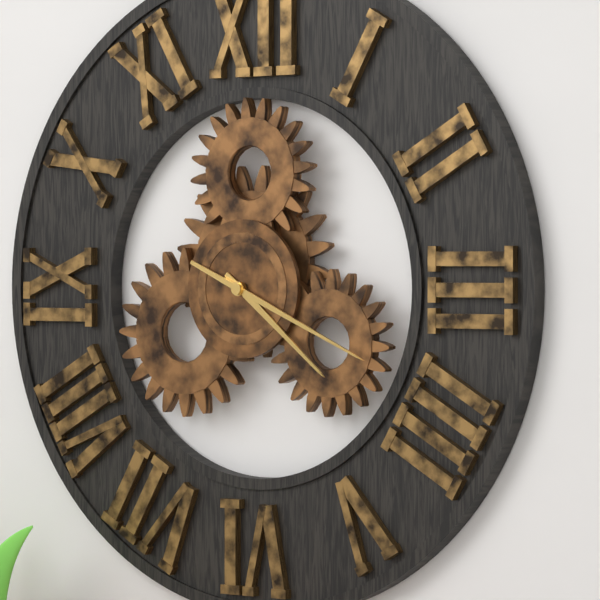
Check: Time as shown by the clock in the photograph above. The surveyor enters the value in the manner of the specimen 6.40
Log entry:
4.19
